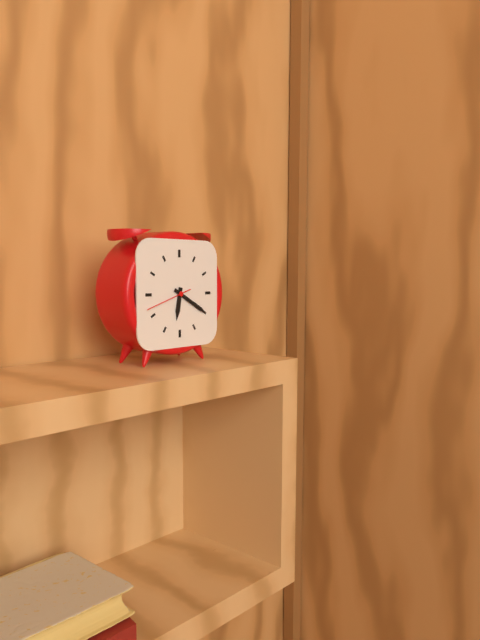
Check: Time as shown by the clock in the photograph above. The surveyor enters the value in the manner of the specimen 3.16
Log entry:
6.20
